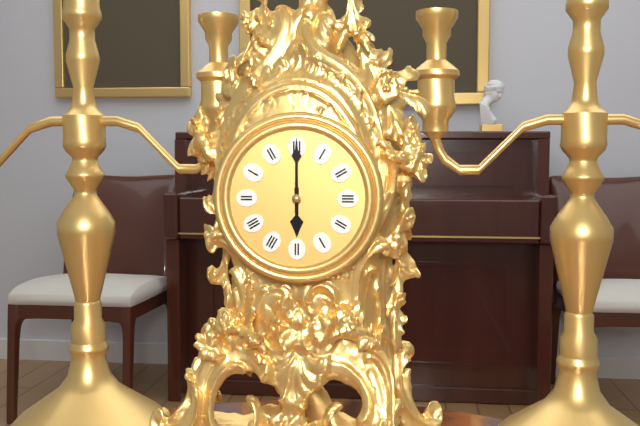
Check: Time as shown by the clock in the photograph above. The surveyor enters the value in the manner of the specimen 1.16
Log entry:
6.00
